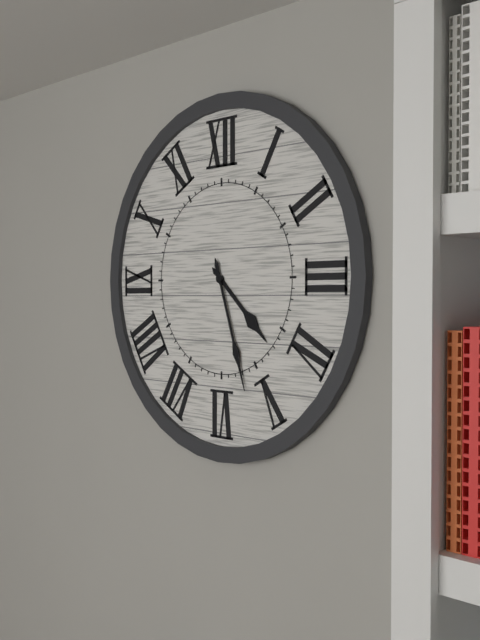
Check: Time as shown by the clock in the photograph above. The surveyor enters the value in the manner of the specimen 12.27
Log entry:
4.27
